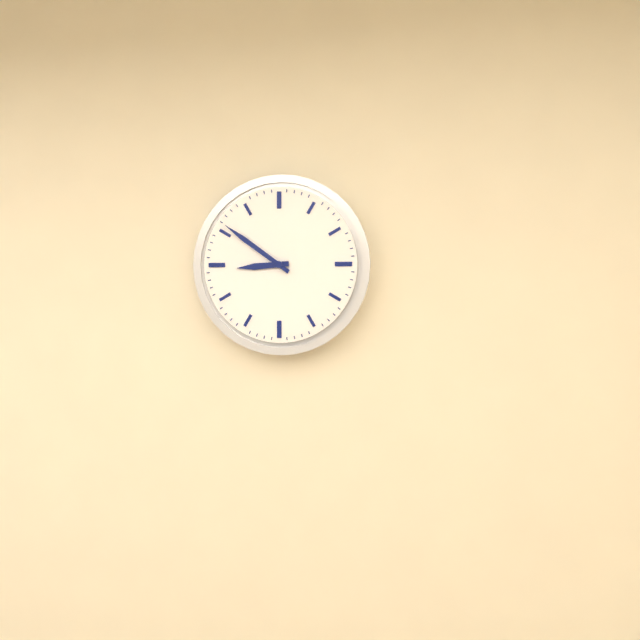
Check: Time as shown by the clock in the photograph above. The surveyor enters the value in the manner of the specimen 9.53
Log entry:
8.51
